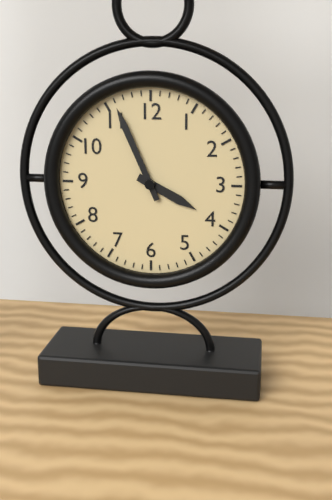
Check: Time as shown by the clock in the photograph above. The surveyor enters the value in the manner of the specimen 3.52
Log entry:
3.56
